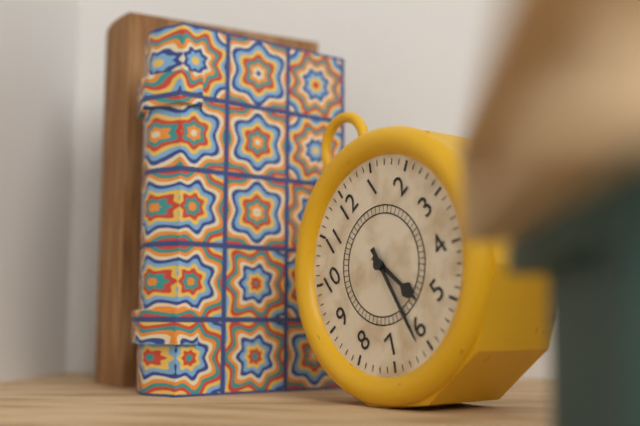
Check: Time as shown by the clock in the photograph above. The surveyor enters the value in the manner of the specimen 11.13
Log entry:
5.31
